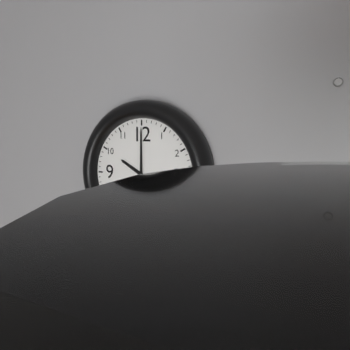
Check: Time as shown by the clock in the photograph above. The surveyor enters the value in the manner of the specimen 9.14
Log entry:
10.00
